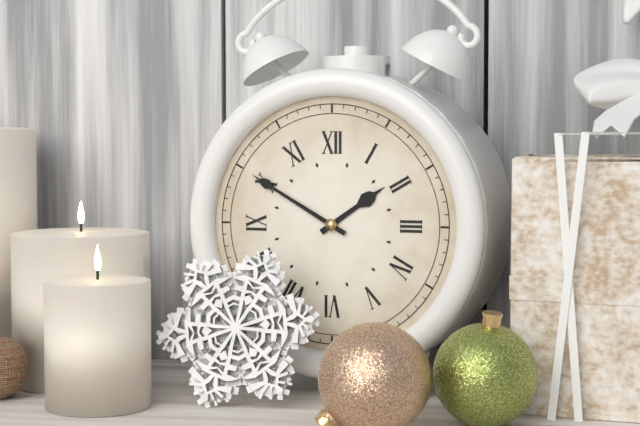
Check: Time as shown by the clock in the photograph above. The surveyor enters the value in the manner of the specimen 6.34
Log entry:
1.50
